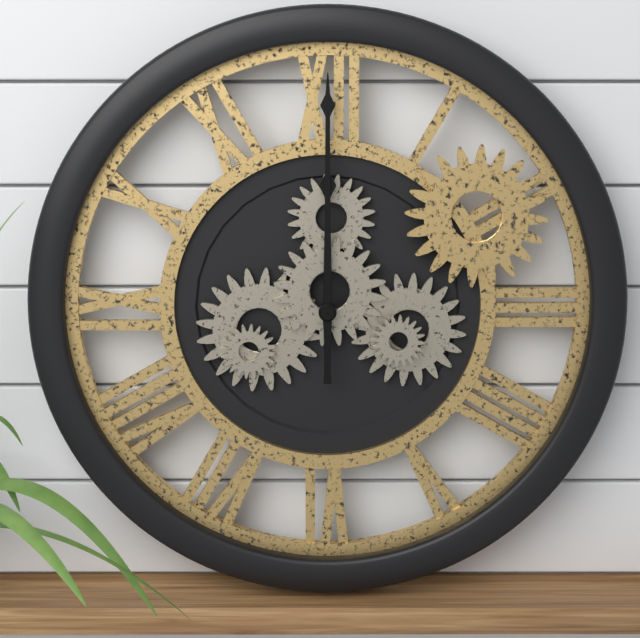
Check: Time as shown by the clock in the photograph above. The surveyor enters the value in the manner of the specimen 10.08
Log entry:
12.00
